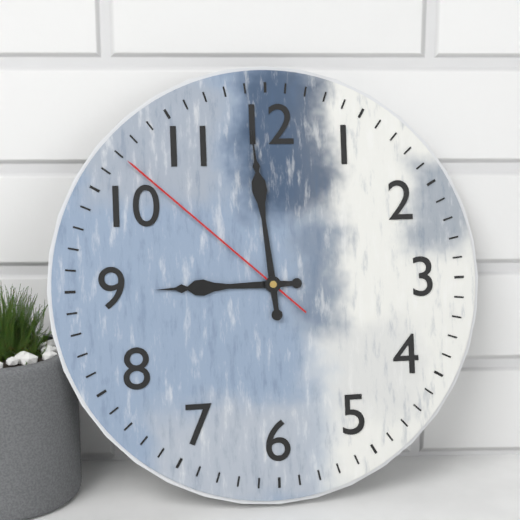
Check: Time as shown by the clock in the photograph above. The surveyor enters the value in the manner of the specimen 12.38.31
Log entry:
8.59.52
